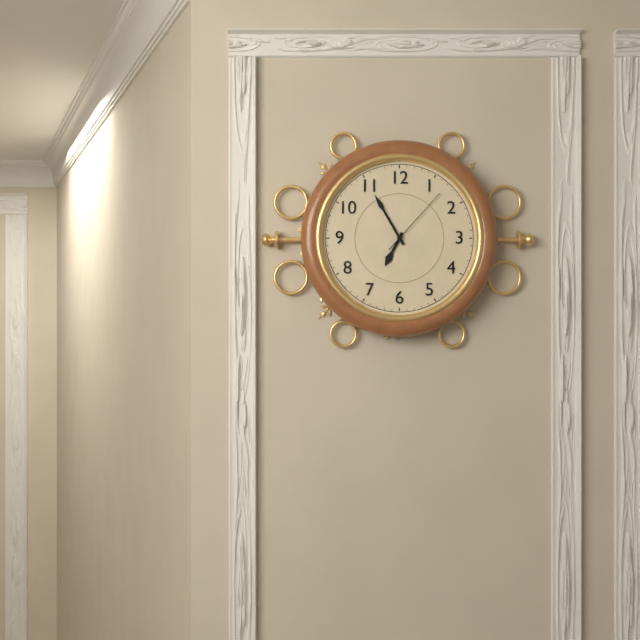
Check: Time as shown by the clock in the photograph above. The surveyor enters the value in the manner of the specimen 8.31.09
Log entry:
6.55.07
